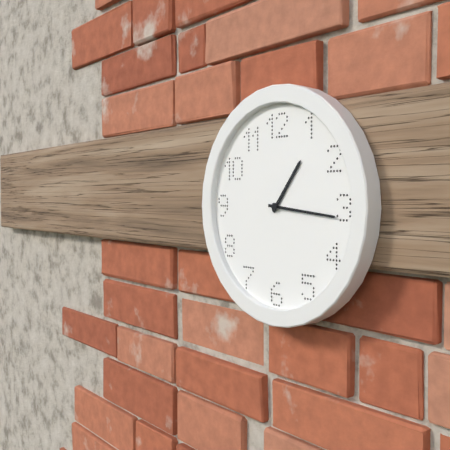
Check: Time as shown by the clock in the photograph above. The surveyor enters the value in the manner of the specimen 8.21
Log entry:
1.16
